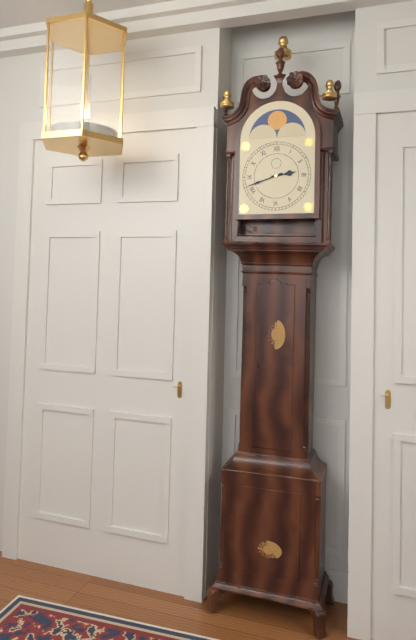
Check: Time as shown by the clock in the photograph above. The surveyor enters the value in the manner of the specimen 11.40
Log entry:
2.42
